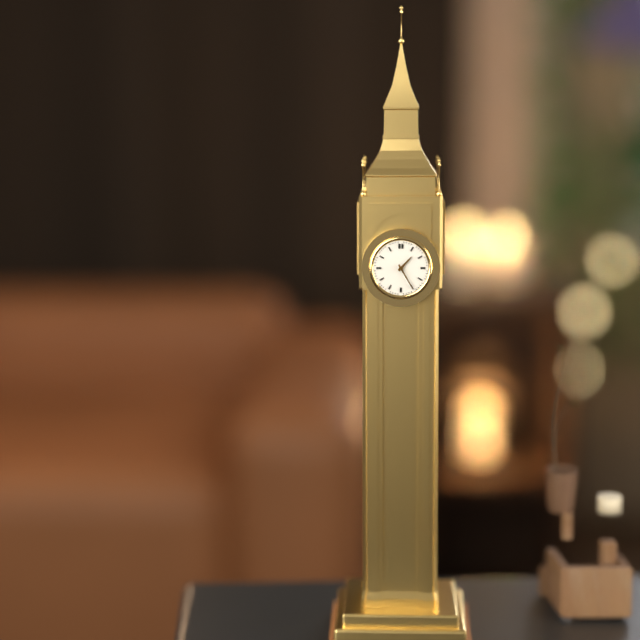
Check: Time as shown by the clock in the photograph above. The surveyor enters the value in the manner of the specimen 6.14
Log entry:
1.25
